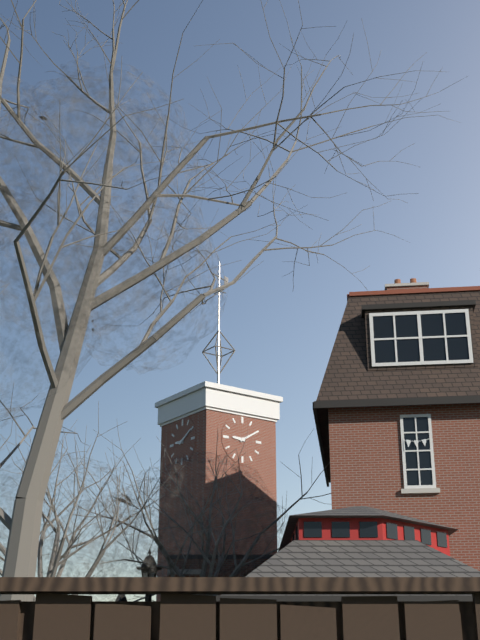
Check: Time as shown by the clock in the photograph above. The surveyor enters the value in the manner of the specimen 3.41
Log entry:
9.10
